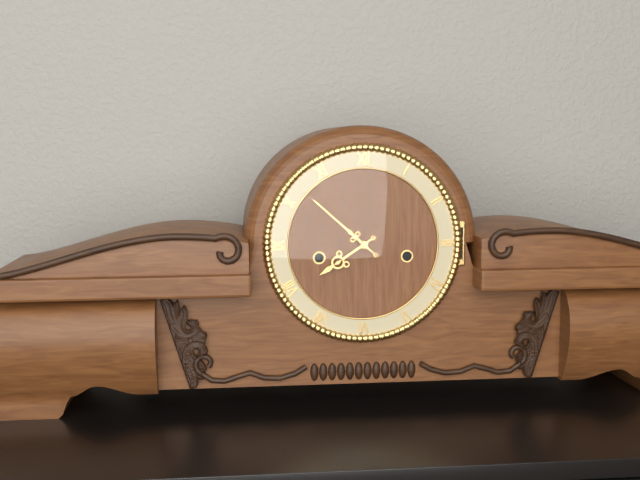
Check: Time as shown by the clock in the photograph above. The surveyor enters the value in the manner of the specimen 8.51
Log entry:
7.52
